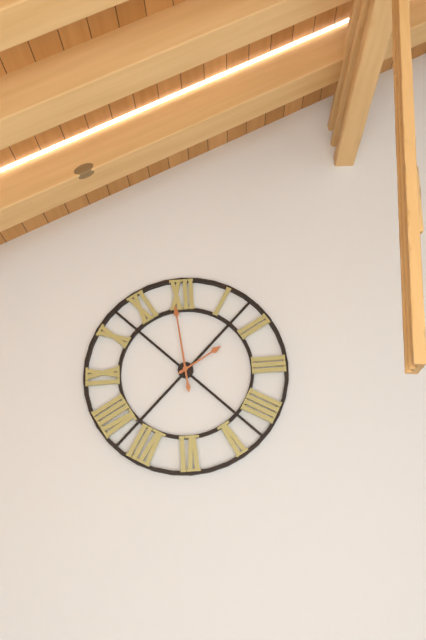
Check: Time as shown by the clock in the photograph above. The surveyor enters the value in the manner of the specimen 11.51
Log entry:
1.59
